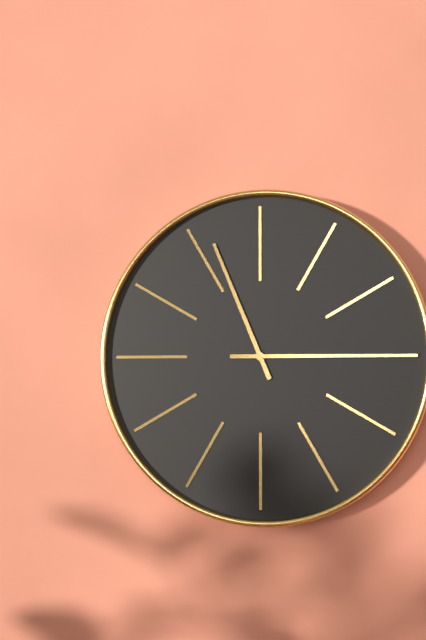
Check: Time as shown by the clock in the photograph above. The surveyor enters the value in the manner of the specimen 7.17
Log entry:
11.15
